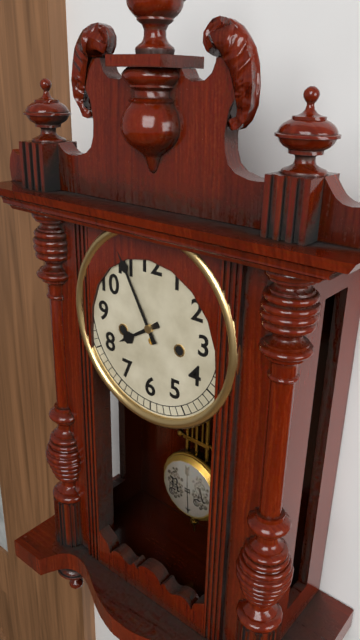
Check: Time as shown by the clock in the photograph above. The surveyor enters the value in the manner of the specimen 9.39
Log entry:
7.55
